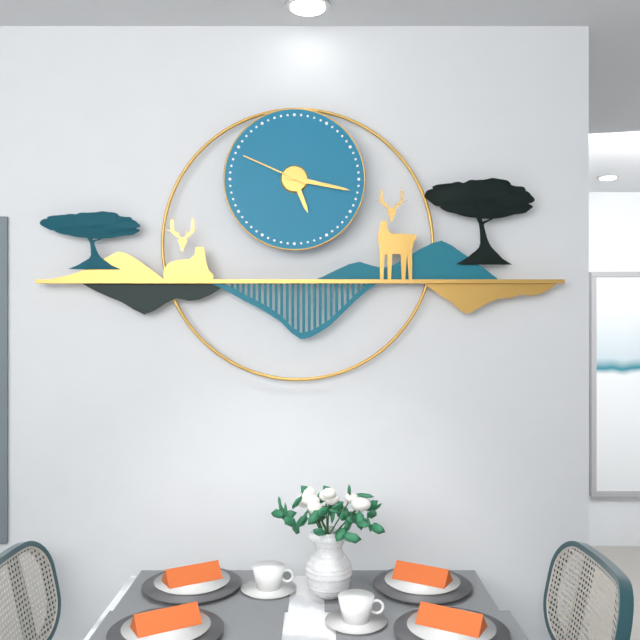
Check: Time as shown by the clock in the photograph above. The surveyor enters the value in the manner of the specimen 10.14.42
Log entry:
5.17.49
